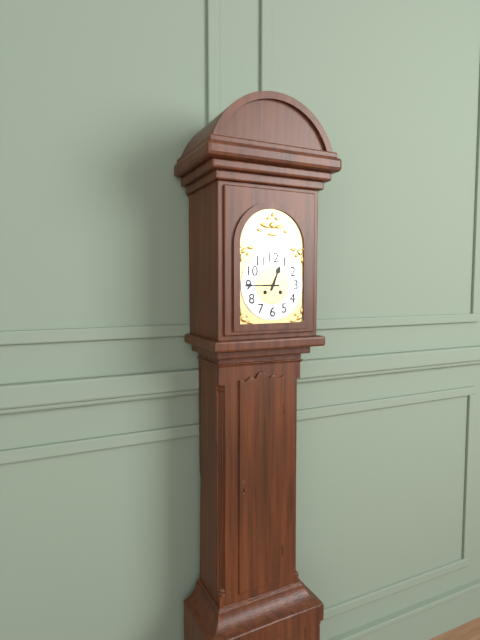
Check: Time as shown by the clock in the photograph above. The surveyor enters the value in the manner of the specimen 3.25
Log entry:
12.45
